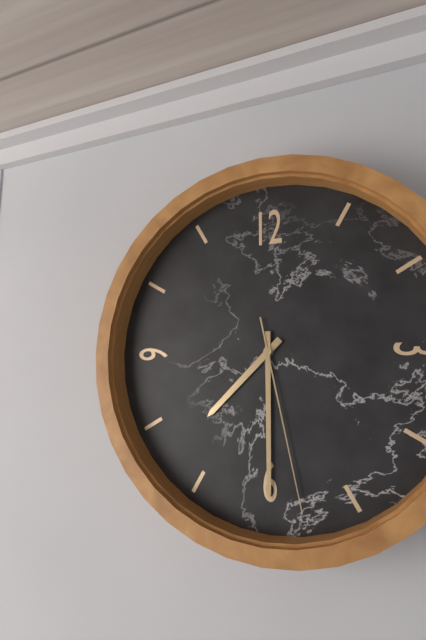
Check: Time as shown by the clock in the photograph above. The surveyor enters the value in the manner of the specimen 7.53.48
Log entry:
7.30.28
